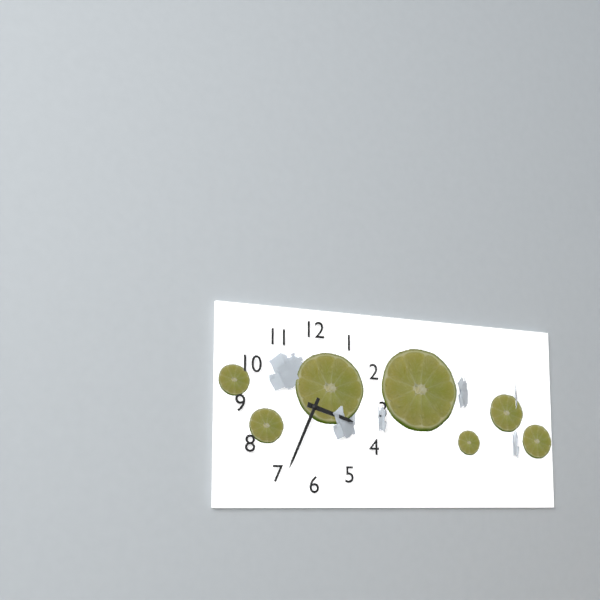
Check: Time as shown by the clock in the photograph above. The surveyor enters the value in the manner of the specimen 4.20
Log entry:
3.34
